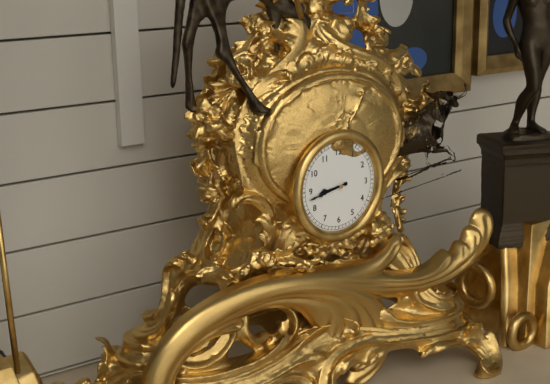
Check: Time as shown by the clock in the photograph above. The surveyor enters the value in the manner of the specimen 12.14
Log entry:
8.43
